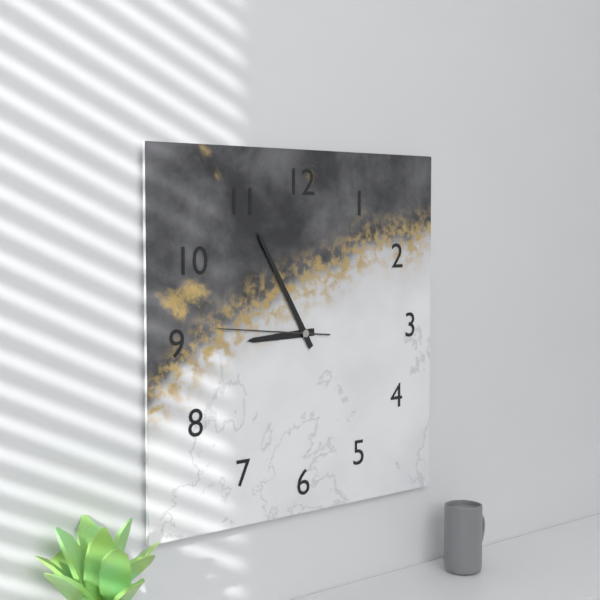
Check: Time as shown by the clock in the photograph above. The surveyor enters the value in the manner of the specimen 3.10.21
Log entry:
8.55.46
